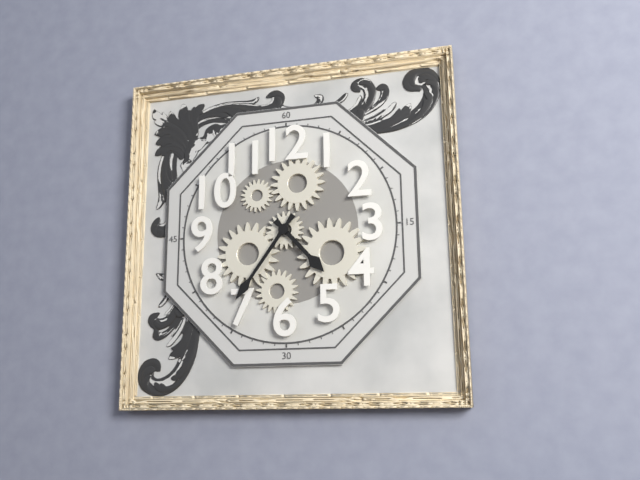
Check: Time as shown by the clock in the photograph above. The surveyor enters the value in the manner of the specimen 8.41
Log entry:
4.36
